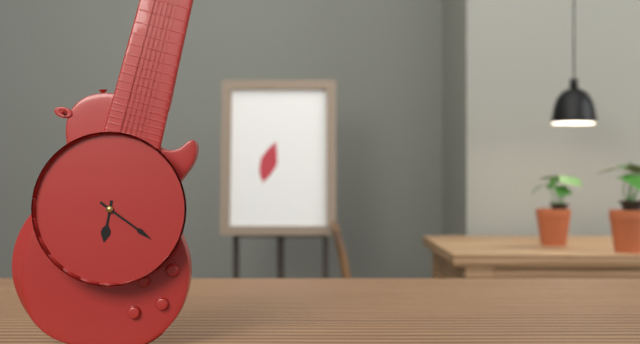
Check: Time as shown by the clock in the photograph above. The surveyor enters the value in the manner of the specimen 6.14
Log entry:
6.21
